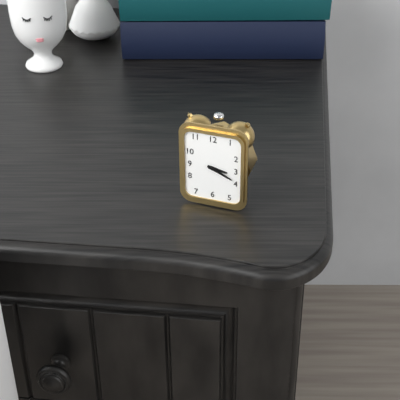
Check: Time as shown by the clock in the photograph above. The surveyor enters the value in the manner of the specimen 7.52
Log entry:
3.19
